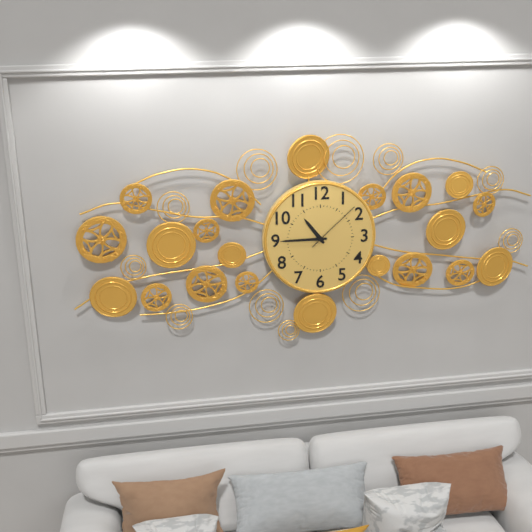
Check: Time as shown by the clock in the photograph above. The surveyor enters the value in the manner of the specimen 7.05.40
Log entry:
10.45.08
